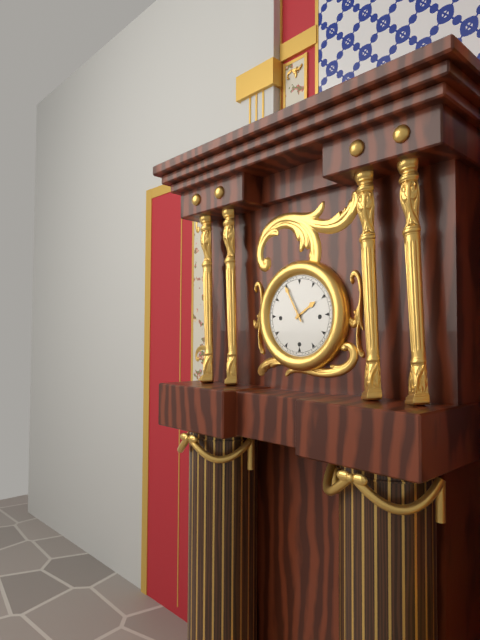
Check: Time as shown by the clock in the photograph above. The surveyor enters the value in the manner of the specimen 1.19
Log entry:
1.55
